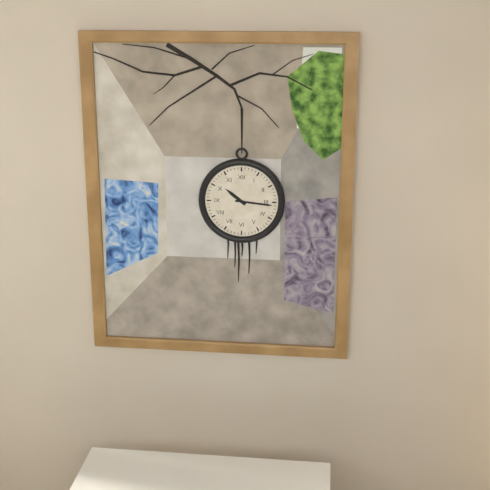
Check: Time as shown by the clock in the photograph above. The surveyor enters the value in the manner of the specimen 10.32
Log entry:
10.16
